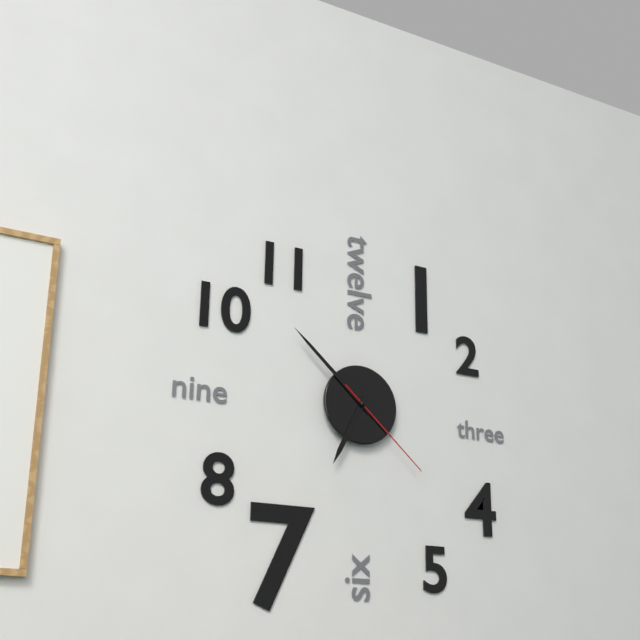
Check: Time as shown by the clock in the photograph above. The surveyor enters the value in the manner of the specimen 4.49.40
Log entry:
6.52.22
